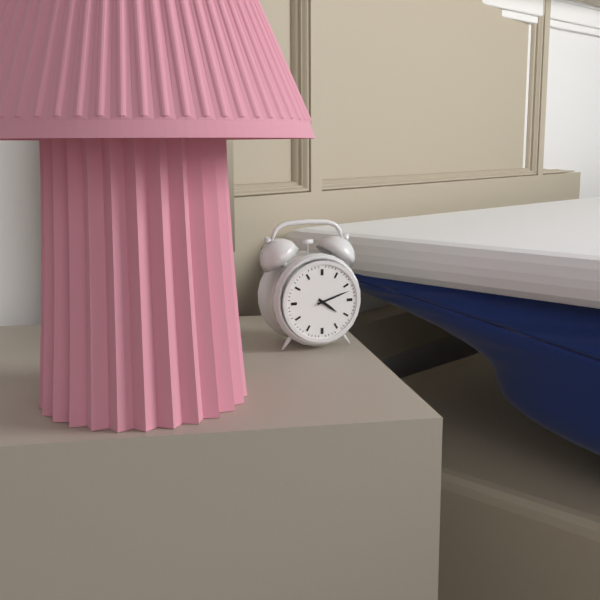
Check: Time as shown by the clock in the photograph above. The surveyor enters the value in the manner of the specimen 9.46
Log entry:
4.12
